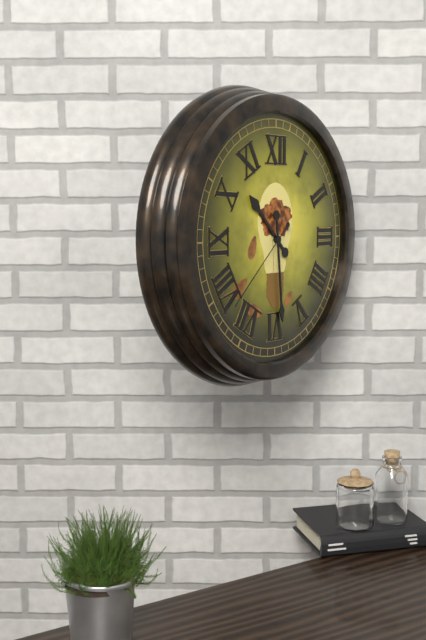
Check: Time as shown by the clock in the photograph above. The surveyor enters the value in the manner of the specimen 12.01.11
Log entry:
10.29.38
